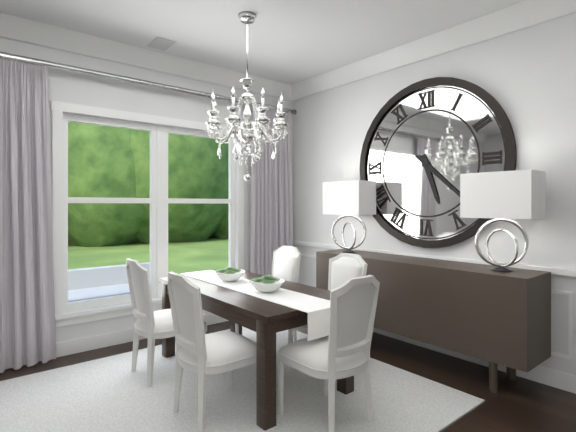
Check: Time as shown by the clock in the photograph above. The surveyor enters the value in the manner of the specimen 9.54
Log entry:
5.22
